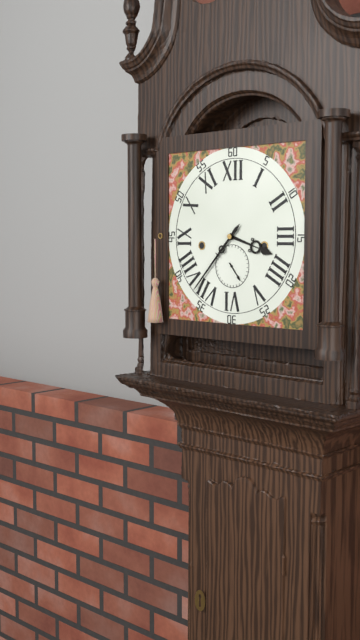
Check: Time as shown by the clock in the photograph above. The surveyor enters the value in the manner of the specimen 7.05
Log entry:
3.37
